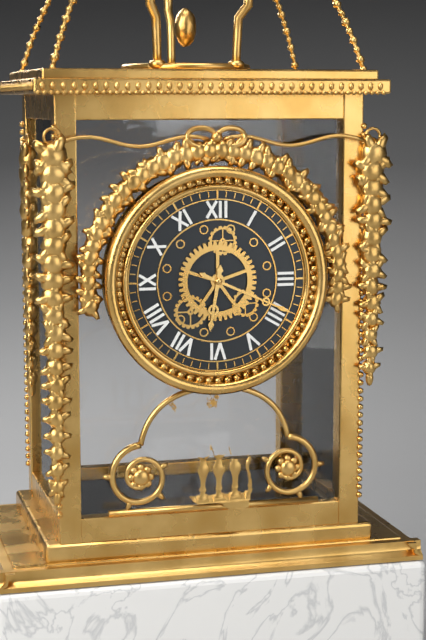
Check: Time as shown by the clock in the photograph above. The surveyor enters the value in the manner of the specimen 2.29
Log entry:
6.19
